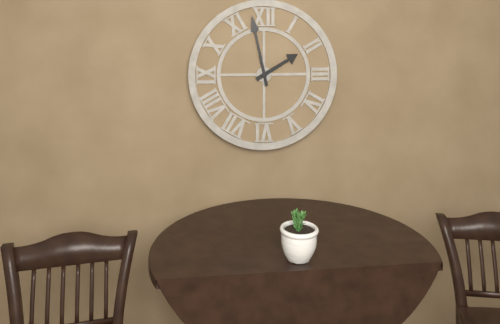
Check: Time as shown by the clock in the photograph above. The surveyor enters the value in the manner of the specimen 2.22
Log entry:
1.58
